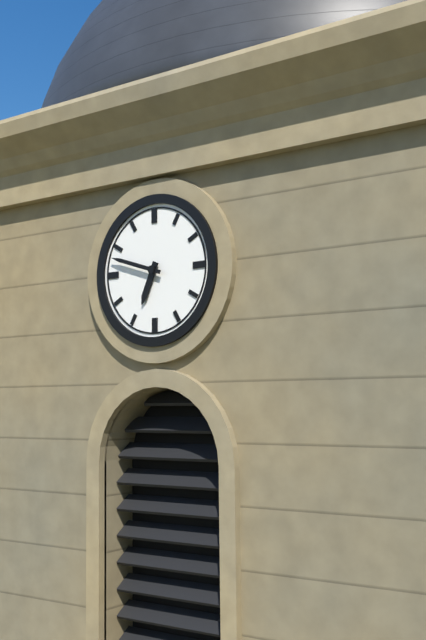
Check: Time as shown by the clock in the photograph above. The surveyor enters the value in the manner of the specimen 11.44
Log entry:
6.48
